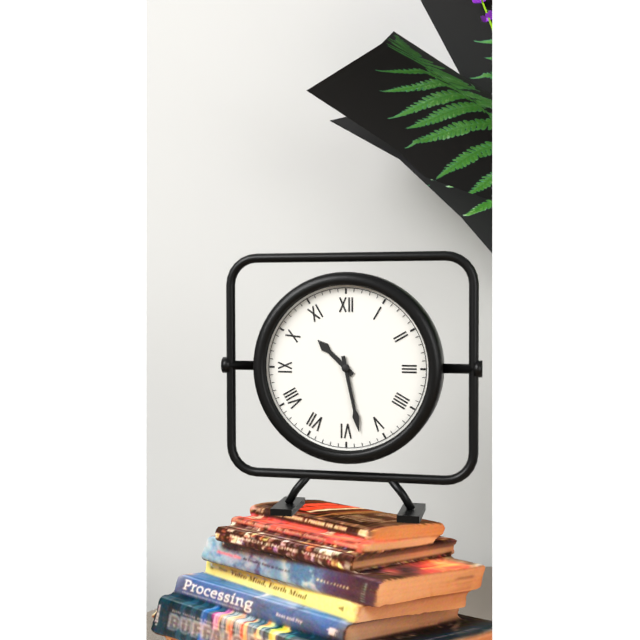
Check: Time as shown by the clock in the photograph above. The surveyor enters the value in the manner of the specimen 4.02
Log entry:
10.28
